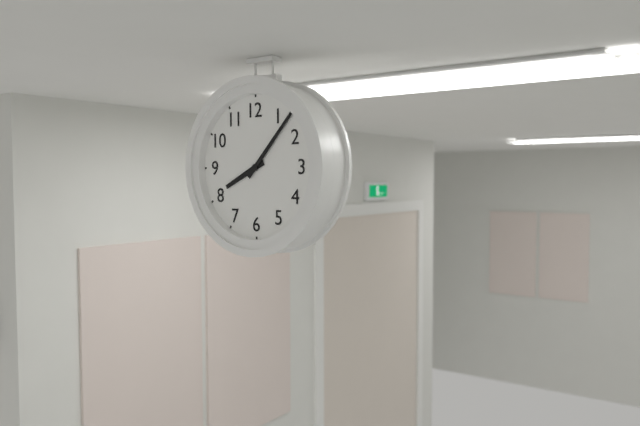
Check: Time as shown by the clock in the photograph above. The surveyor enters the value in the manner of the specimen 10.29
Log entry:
8.07
